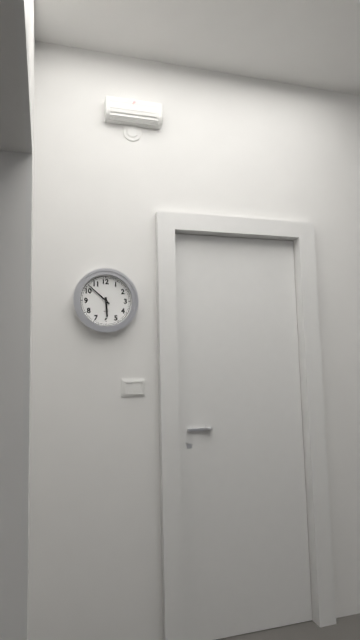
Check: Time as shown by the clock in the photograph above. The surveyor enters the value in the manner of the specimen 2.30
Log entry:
5.52
